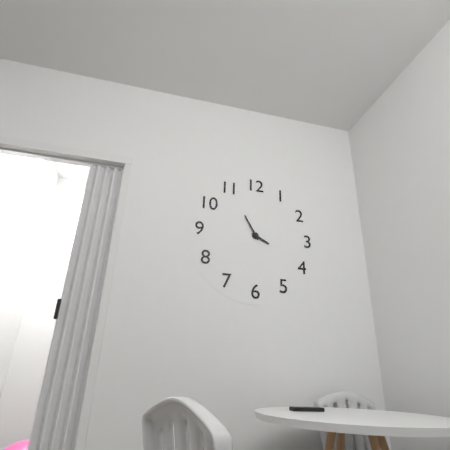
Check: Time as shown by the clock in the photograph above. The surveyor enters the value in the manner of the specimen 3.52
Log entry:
3.55
